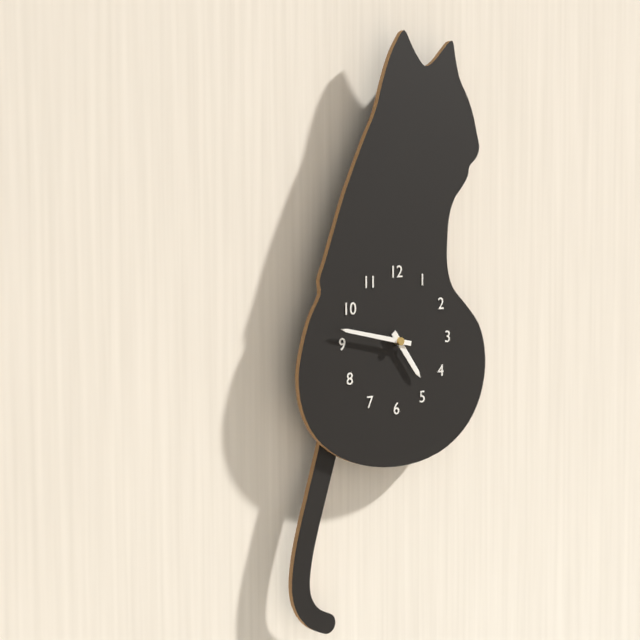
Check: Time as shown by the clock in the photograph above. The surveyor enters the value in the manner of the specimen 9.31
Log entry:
4.47
